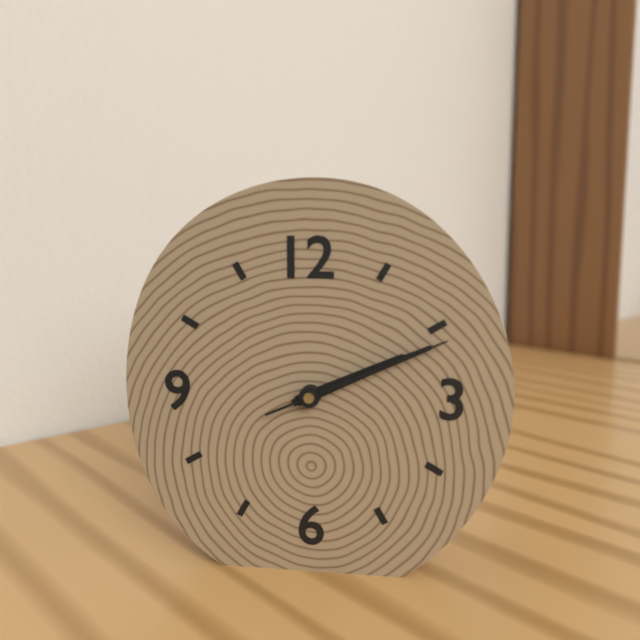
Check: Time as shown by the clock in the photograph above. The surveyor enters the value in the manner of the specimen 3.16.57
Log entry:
2.11.11
